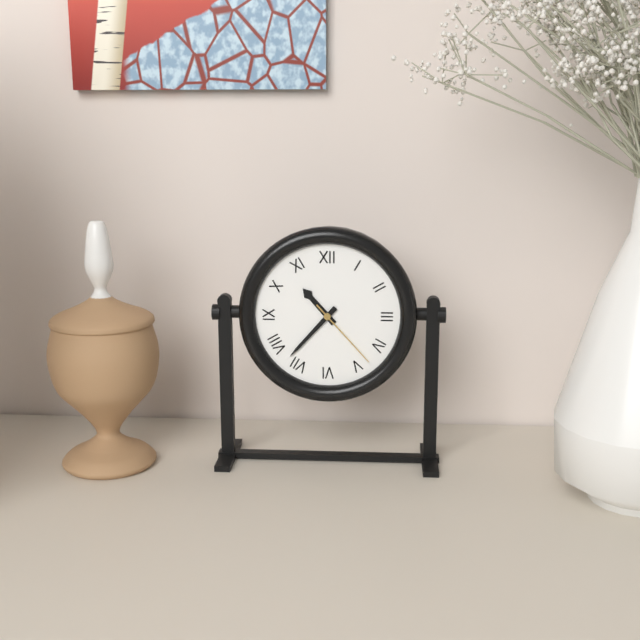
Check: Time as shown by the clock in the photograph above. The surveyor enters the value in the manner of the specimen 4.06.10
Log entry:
10.37.23
